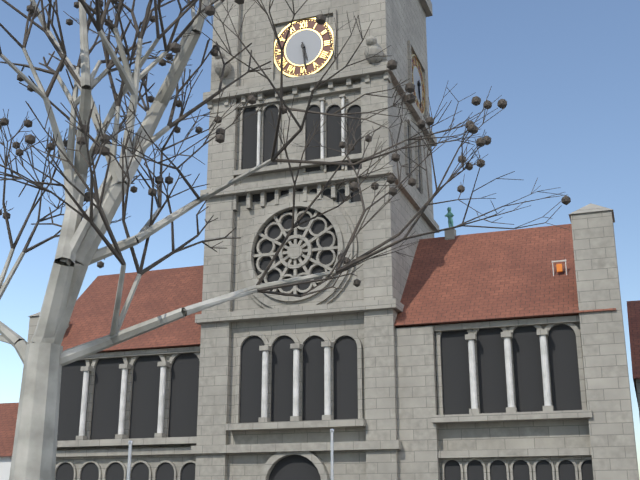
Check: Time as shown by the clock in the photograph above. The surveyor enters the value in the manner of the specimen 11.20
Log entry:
5.29
